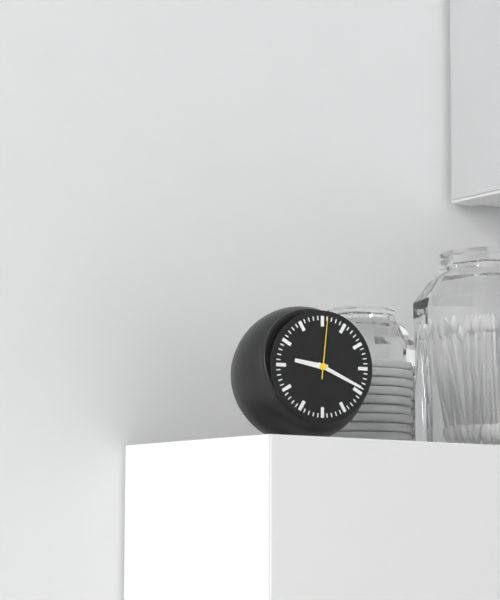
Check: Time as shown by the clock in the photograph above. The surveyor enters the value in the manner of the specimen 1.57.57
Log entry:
9.19.01
